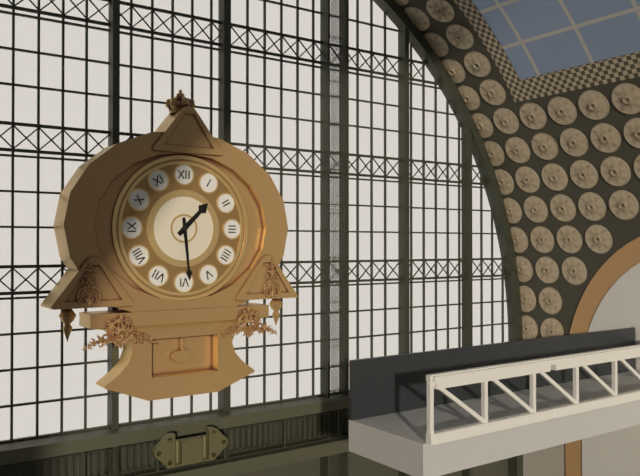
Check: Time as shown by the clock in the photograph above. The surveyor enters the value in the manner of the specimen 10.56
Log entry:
1.29
